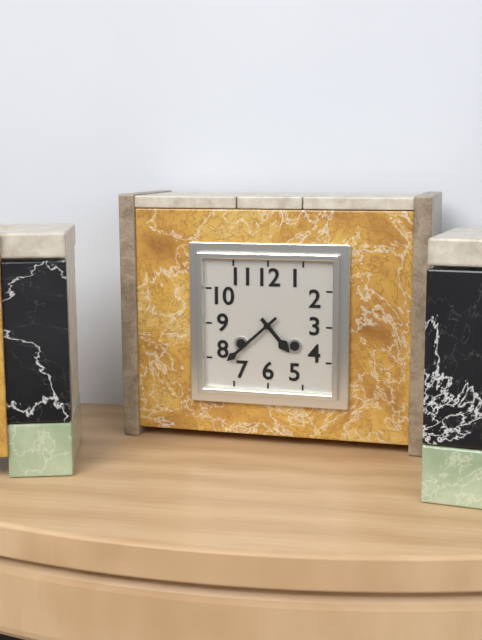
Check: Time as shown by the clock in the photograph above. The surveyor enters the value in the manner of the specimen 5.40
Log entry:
4.38
